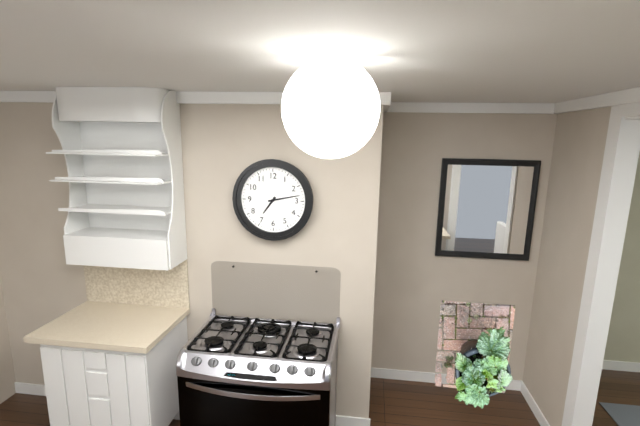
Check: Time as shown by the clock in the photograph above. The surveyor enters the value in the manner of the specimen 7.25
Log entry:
7.13
